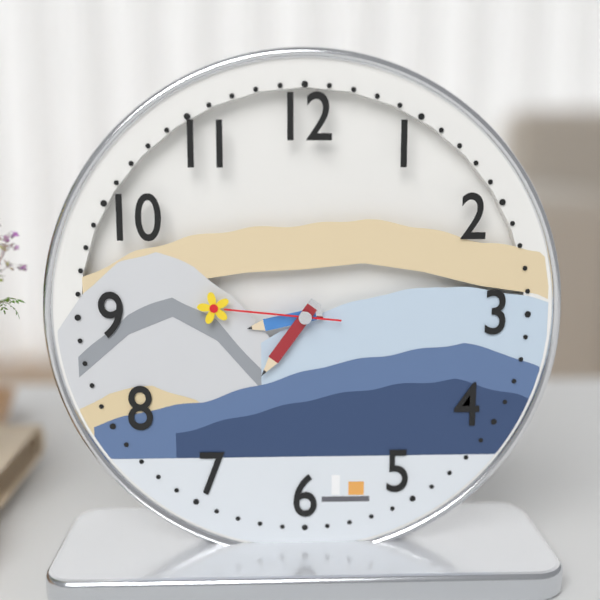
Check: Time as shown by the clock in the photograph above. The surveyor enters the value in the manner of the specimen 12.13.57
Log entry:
8.36.46
